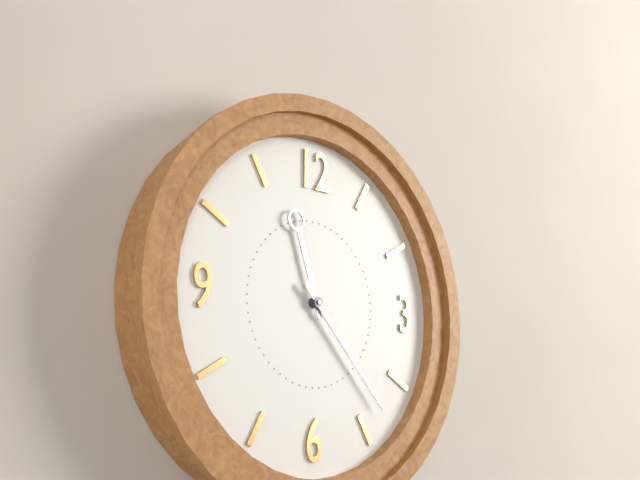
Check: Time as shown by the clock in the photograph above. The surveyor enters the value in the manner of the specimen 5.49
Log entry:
11.23
